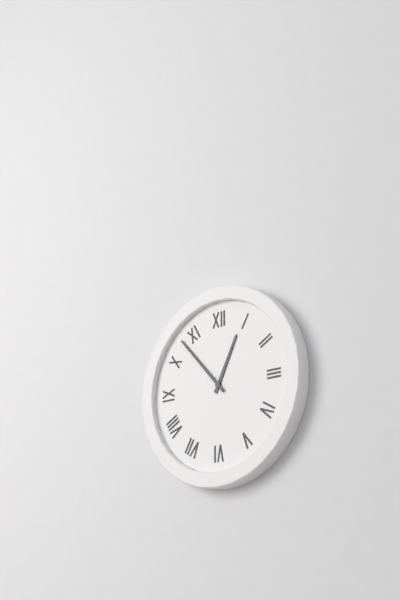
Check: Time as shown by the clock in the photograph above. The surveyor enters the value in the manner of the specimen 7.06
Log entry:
12.53
